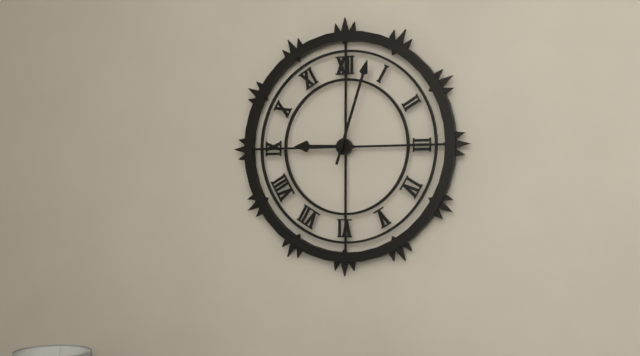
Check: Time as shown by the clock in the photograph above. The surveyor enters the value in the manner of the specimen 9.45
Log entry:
9.03
